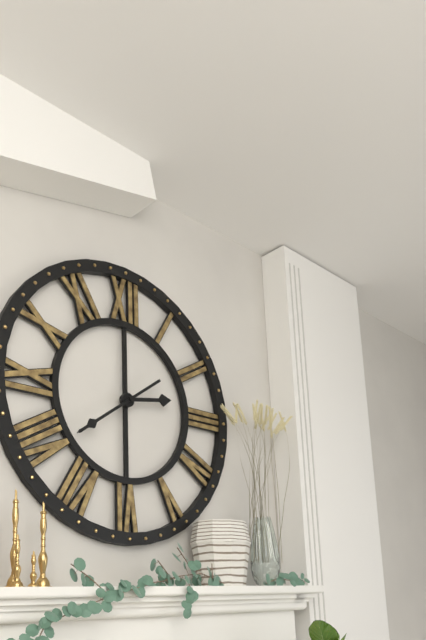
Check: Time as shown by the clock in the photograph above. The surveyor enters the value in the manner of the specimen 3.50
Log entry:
2.39
